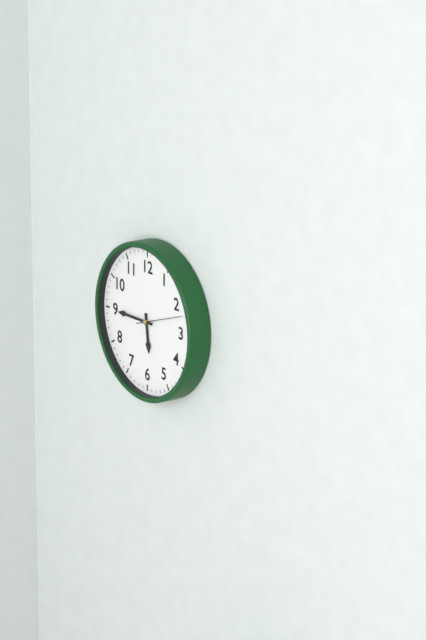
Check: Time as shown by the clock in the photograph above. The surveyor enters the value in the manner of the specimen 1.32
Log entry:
5.45
